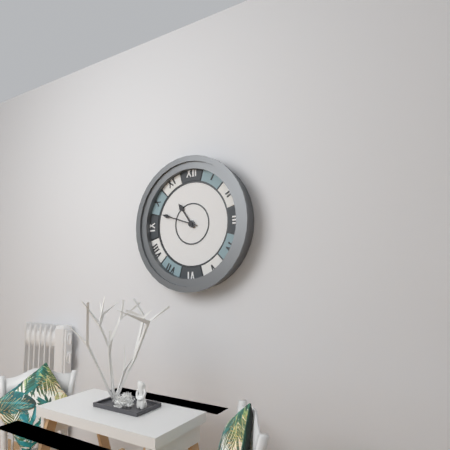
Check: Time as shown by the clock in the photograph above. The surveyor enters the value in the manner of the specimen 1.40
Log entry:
10.48
